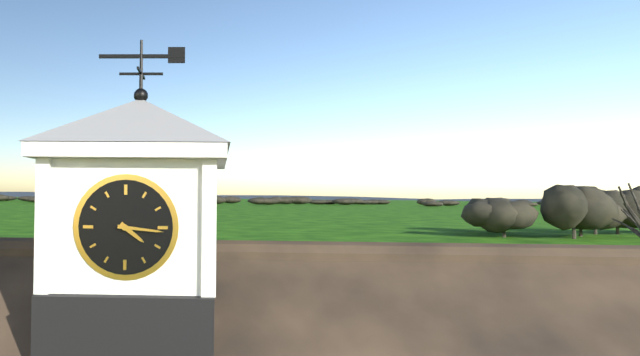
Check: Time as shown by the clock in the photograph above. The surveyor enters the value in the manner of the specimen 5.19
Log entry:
4.16
